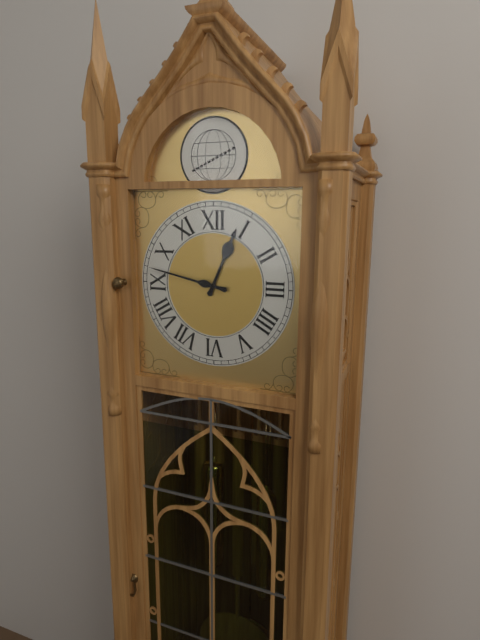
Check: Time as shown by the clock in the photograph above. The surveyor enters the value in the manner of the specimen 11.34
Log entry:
12.47
